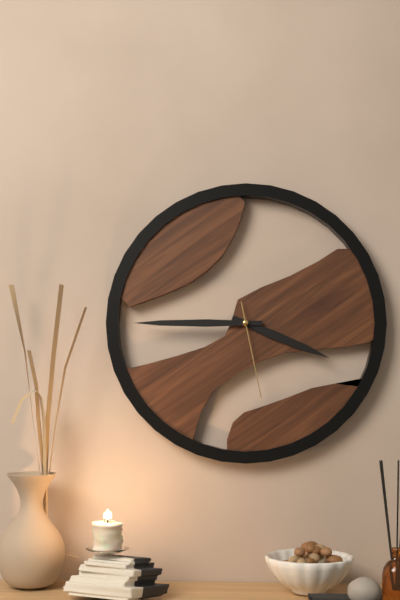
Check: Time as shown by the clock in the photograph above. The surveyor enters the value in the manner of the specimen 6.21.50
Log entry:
3.45.28
